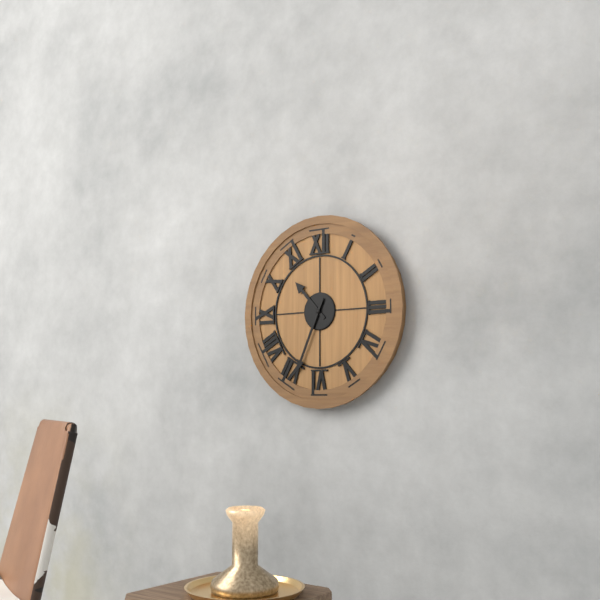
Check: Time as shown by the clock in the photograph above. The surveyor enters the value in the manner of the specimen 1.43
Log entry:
10.34
